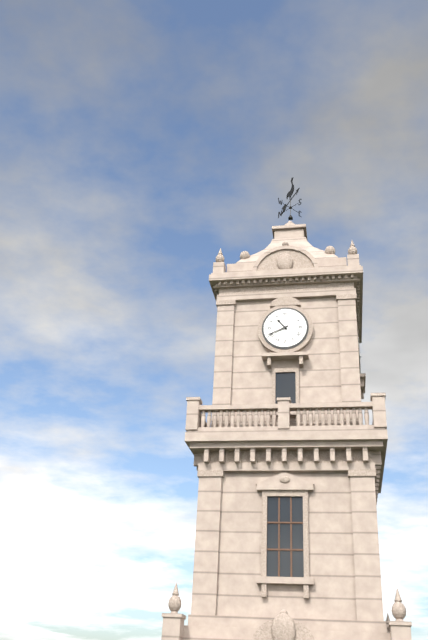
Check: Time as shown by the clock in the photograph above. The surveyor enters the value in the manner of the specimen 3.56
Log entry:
10.41
